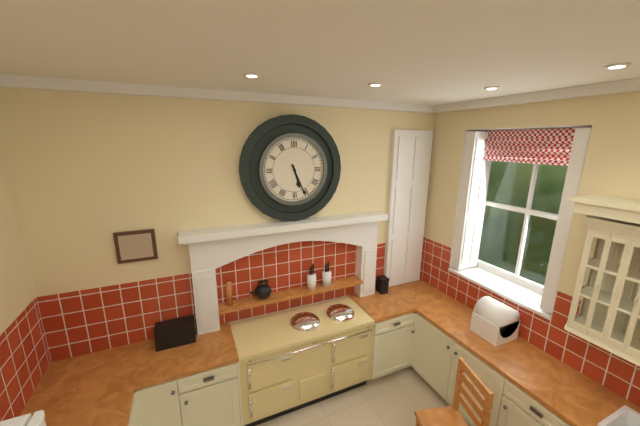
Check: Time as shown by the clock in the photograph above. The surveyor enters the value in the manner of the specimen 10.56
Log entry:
5.26
